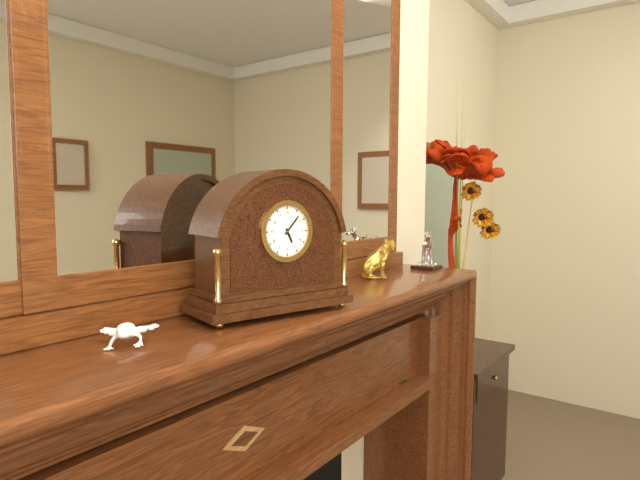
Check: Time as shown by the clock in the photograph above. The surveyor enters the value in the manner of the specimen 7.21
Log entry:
5.07
